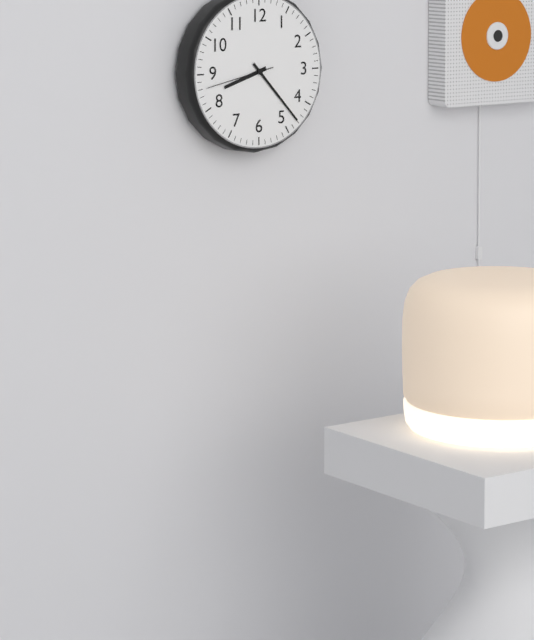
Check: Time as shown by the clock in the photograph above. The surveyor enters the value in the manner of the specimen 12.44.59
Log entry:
8.23.43
